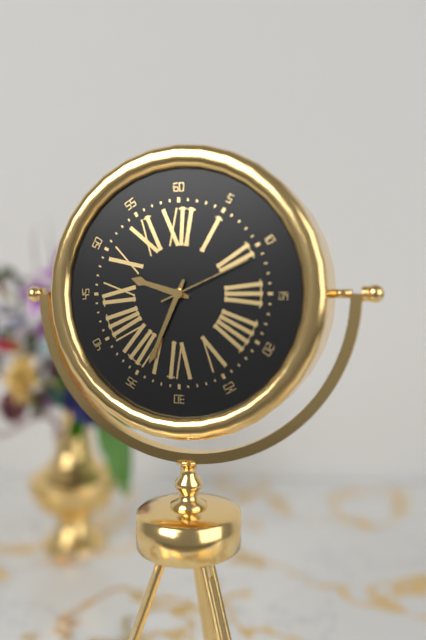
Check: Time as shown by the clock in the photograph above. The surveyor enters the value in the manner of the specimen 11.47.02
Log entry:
9.34.11
